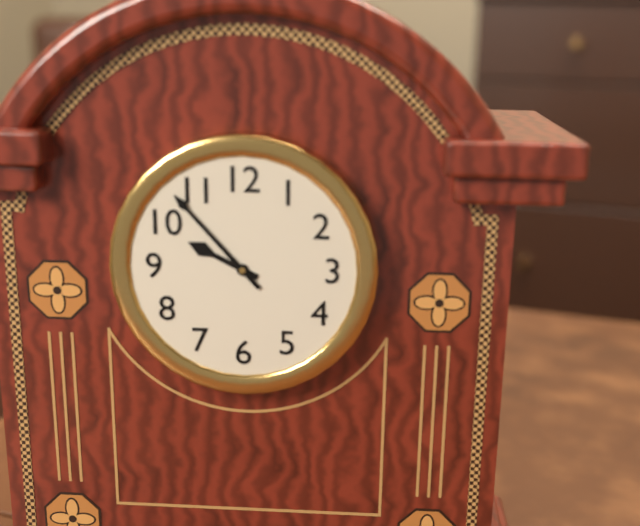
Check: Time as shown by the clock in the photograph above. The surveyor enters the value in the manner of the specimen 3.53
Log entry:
9.53
